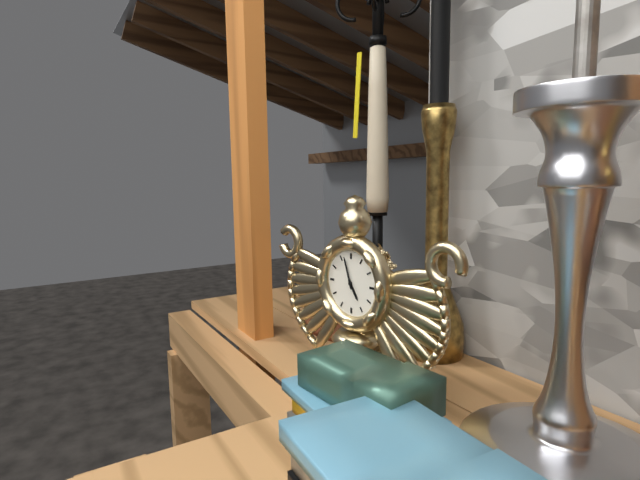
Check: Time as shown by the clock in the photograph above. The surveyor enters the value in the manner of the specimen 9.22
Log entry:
4.57
